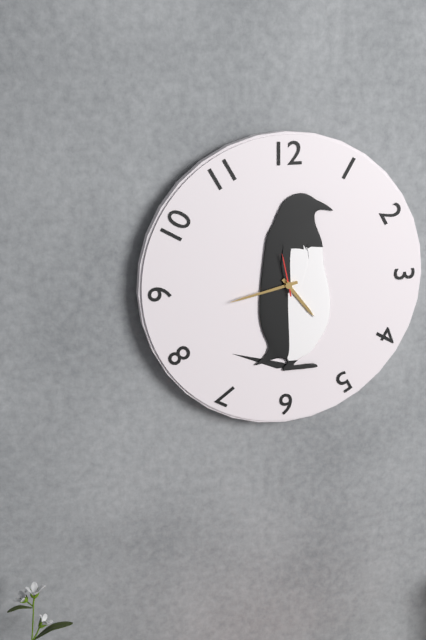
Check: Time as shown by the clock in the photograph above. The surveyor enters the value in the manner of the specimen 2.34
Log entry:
4.43
